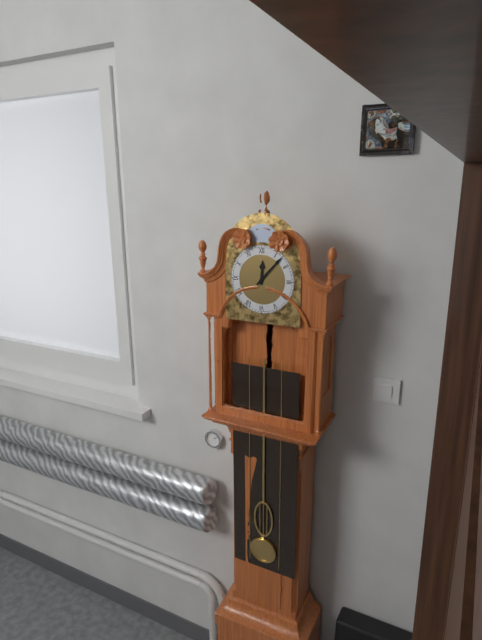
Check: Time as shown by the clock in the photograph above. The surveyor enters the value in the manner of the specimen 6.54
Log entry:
12.07
